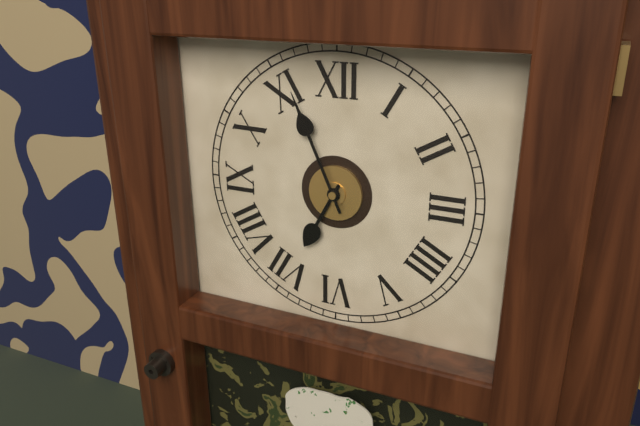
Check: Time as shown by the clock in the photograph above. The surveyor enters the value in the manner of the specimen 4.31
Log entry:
6.56
